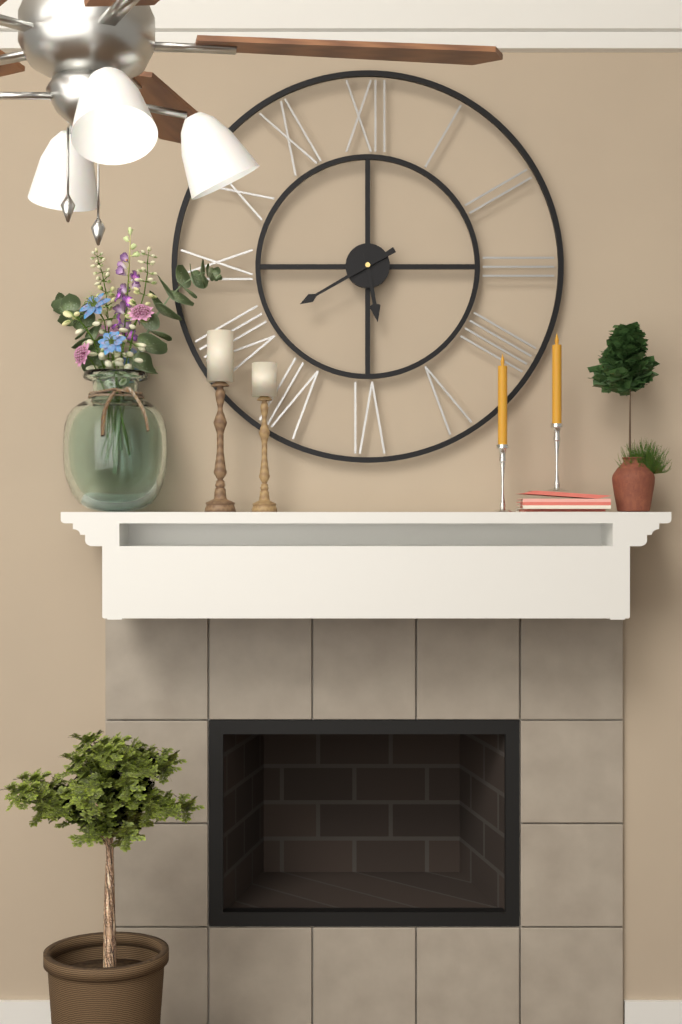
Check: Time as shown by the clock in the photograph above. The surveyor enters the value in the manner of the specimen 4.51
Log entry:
5.40
